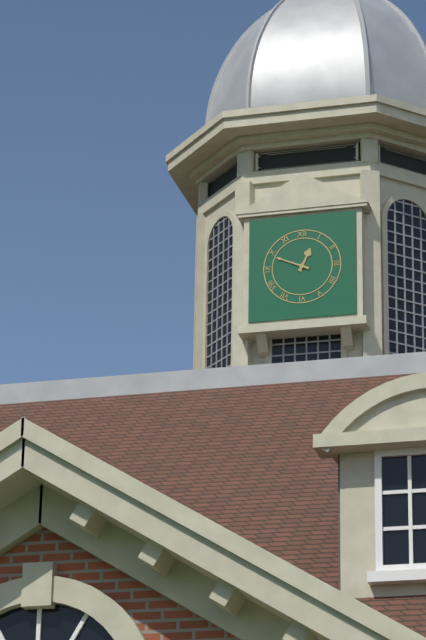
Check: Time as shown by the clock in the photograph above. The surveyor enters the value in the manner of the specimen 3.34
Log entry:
12.49
